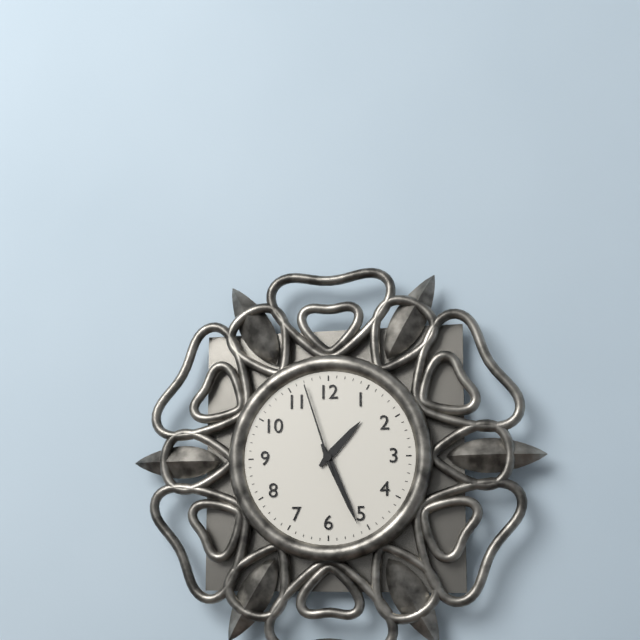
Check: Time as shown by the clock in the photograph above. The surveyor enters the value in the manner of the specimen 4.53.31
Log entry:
1.26.57
